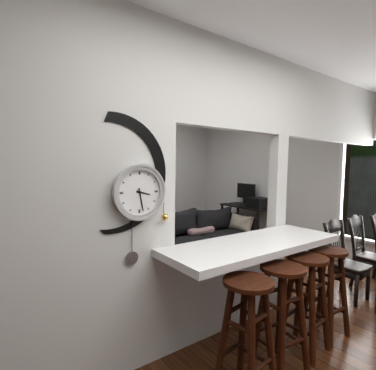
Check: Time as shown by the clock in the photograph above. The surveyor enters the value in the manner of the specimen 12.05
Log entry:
3.28
